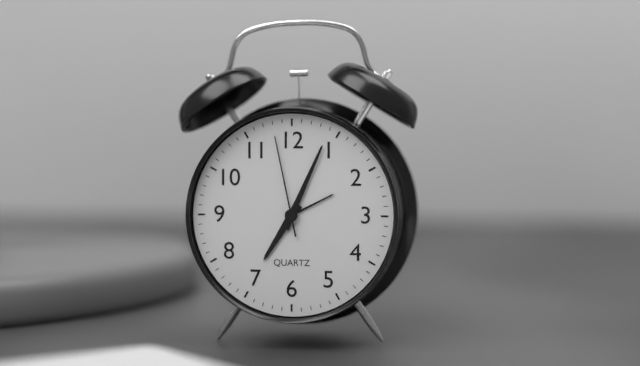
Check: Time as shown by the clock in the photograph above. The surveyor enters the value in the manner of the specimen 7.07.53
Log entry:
7.04.58
